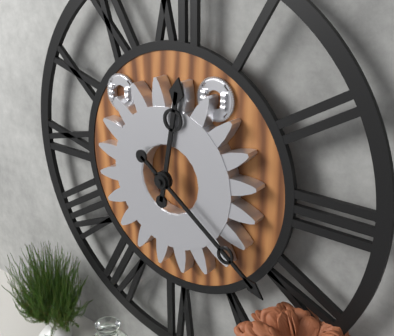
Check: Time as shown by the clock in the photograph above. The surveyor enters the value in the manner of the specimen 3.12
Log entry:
12.21
